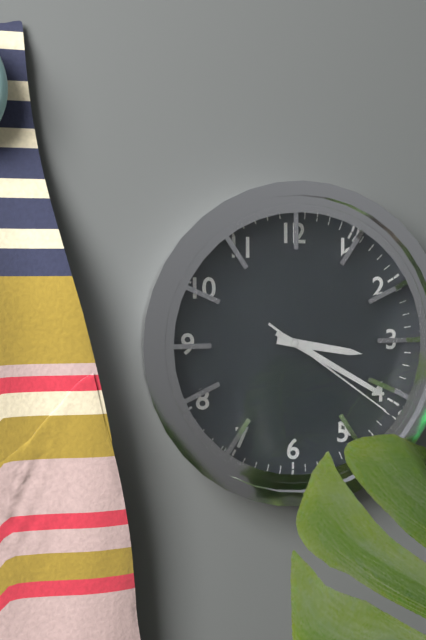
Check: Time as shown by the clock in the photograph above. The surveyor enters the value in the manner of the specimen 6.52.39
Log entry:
3.20.21
